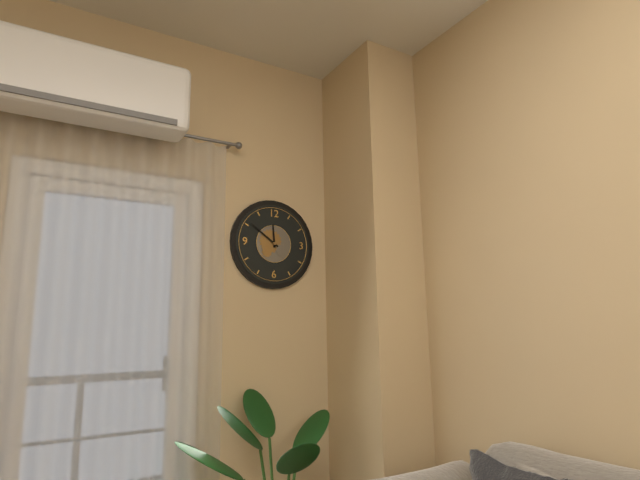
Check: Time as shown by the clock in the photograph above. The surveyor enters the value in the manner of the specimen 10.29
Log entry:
11.51
